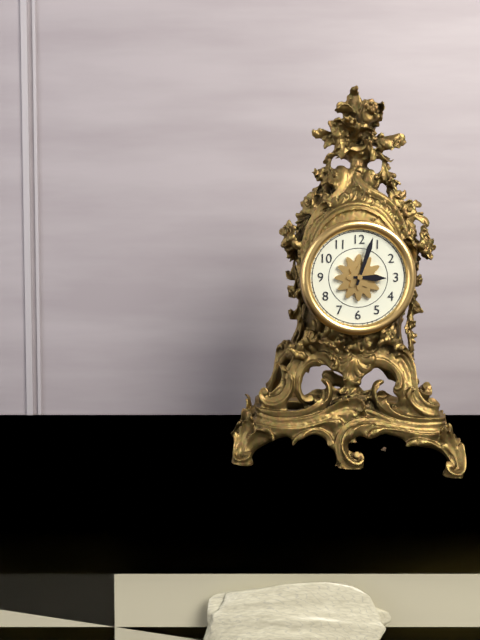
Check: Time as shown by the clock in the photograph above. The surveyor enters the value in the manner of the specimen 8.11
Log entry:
3.03
